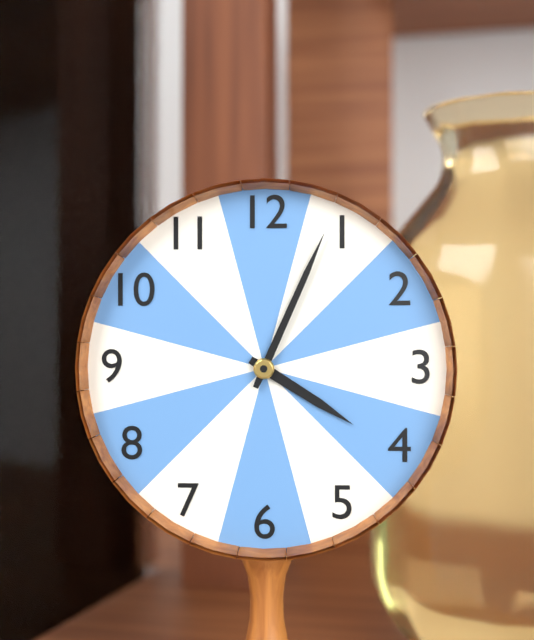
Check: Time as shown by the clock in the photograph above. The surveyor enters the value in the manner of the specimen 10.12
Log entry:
4.04
